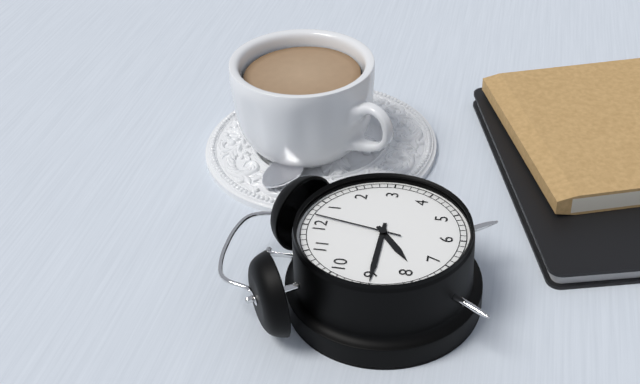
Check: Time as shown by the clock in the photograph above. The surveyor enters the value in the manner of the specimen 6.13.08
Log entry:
7.45.02
